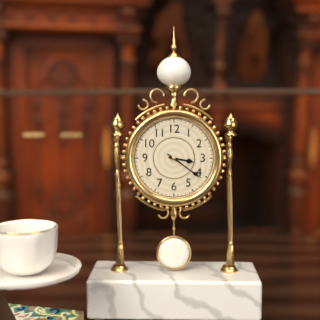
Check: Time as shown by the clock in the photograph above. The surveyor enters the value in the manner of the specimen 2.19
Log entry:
3.21
